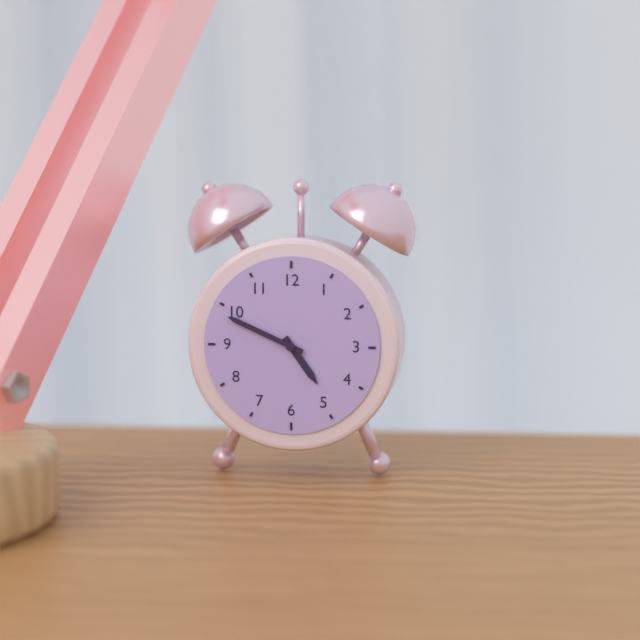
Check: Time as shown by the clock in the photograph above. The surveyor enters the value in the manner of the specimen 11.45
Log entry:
4.49
